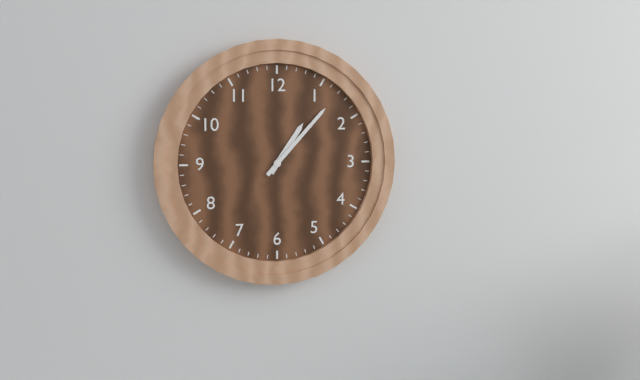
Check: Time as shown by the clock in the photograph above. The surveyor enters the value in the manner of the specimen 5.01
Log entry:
1.07
